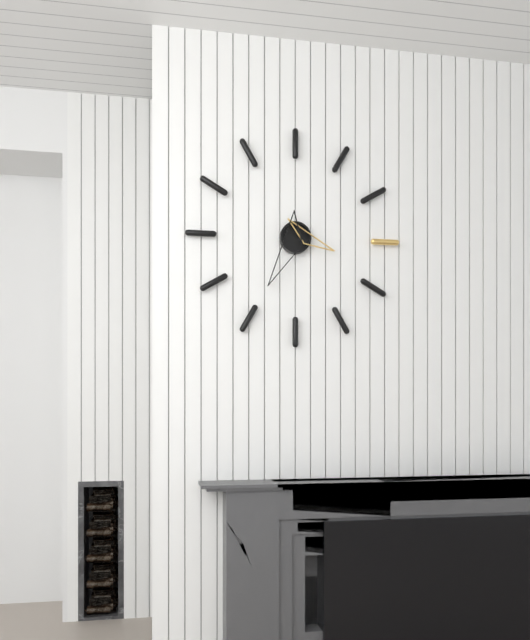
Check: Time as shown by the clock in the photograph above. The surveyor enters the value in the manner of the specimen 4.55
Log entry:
3.35
